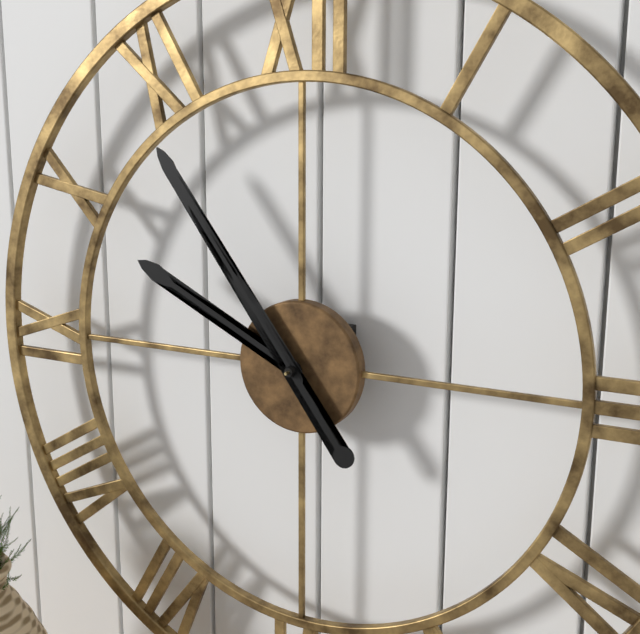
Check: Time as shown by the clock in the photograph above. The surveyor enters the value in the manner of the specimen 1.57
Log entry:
9.54
